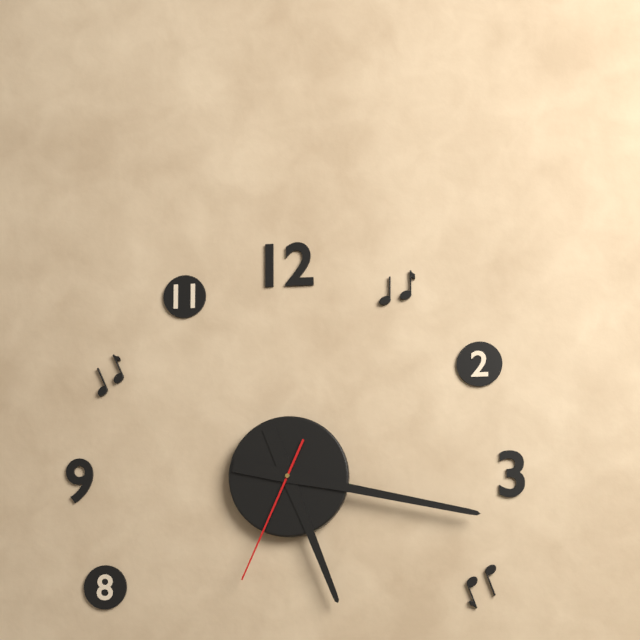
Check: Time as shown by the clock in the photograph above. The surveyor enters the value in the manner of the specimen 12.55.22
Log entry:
5.17.34
